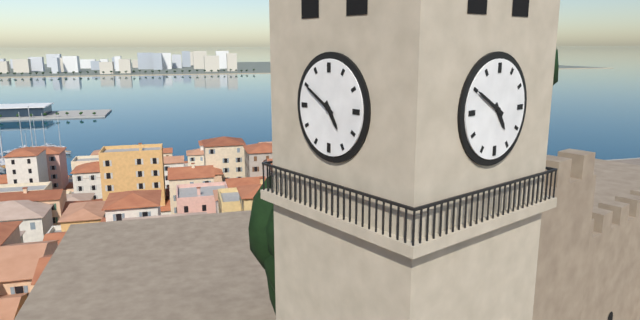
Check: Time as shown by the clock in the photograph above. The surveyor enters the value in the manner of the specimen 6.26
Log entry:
4.50
